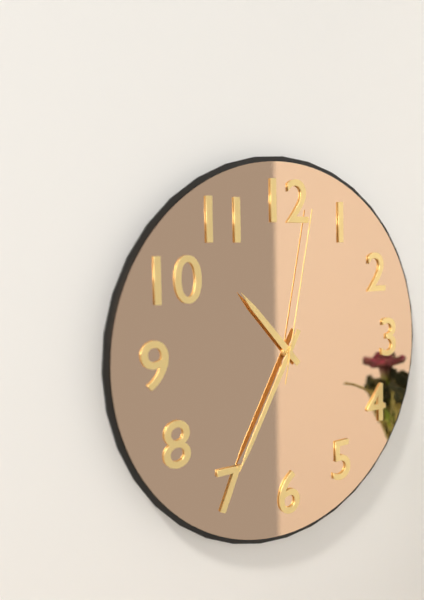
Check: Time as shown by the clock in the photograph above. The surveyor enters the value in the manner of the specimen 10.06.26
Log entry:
10.35.02
